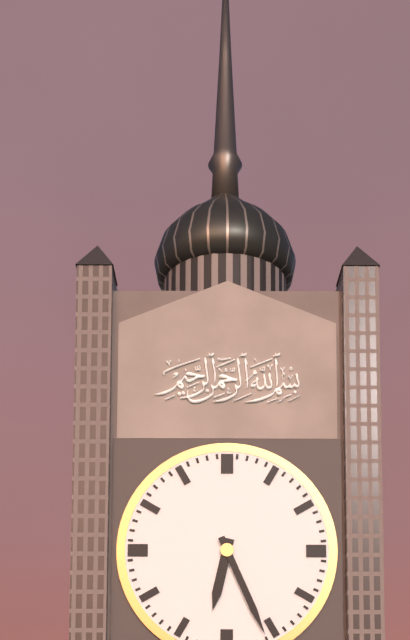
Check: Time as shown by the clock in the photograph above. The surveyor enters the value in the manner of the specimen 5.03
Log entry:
6.26
